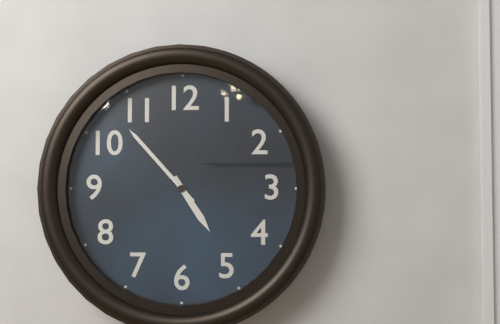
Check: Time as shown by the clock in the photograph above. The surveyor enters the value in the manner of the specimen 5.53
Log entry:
4.53
